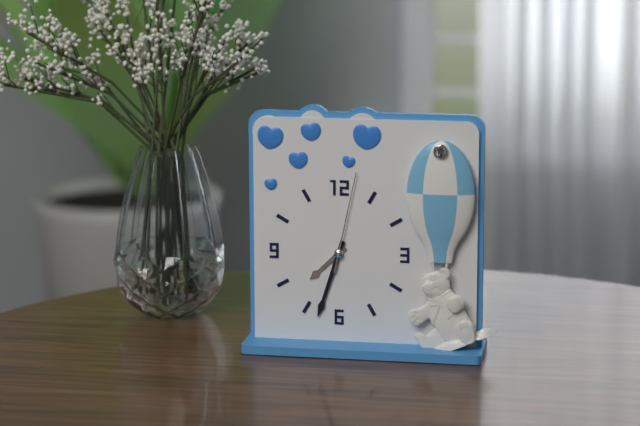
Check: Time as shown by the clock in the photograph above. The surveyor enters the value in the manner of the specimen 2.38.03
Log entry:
7.33.02
